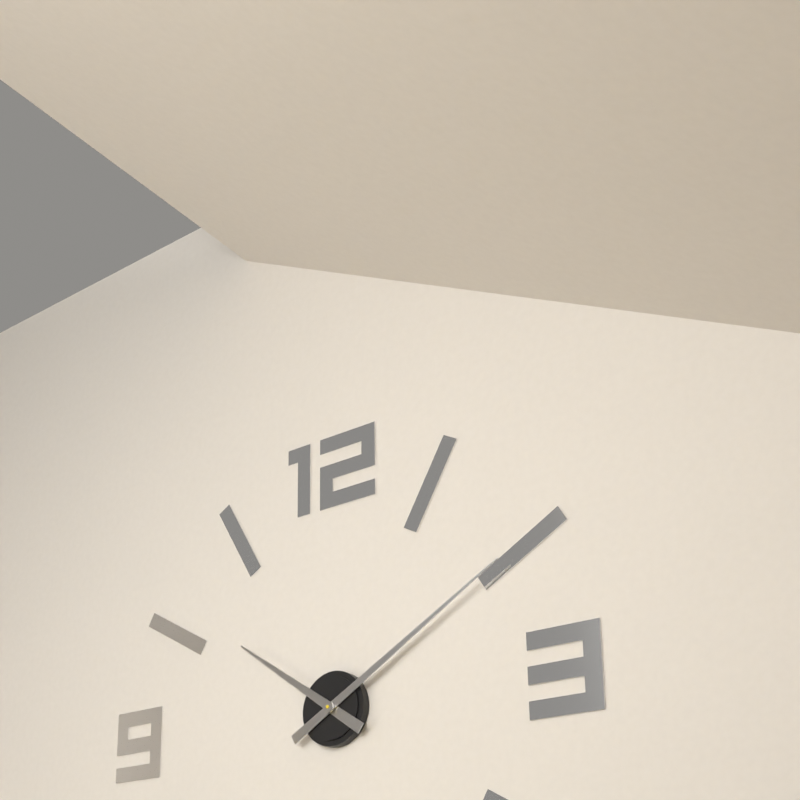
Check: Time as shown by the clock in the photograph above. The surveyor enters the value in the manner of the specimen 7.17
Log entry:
10.10
